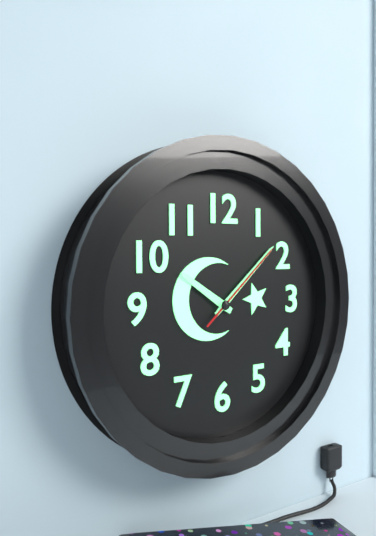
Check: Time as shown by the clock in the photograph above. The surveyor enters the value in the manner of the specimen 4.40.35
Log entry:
10.08.08
